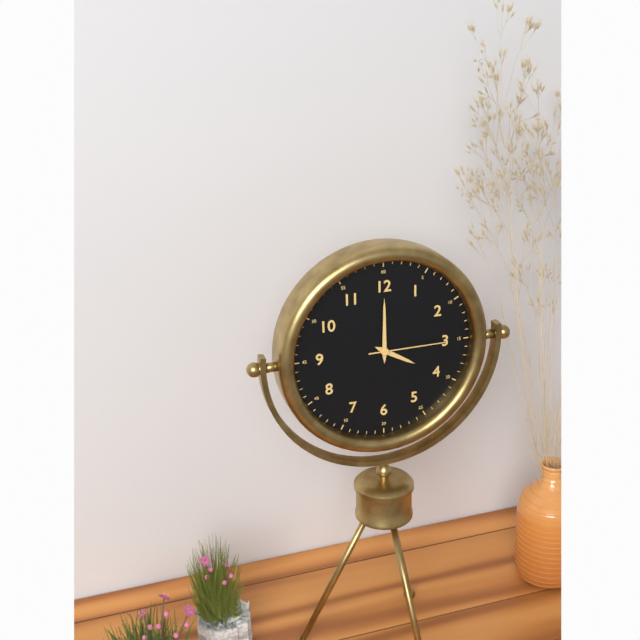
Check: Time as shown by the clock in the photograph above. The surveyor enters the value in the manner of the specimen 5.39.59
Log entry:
4.00.15
